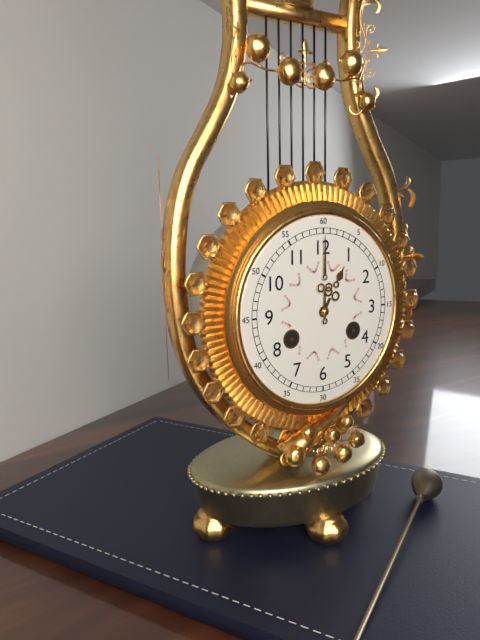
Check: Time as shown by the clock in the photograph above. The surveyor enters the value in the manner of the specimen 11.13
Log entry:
1.00
